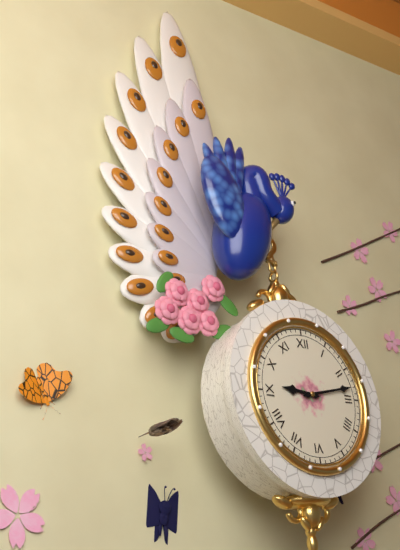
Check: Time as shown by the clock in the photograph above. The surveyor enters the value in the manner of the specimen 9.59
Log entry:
9.13
